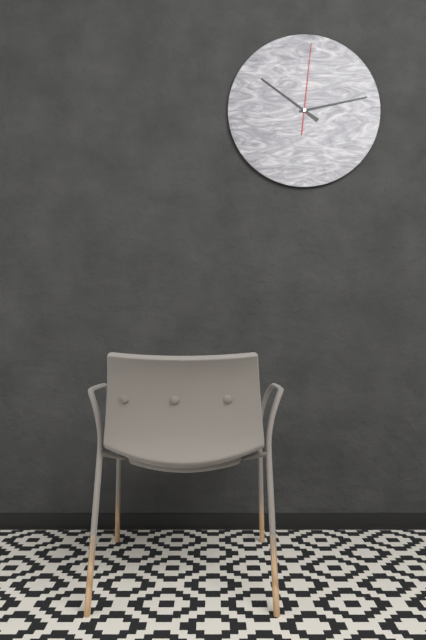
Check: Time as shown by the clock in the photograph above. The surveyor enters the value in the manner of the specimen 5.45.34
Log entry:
10.13.01
